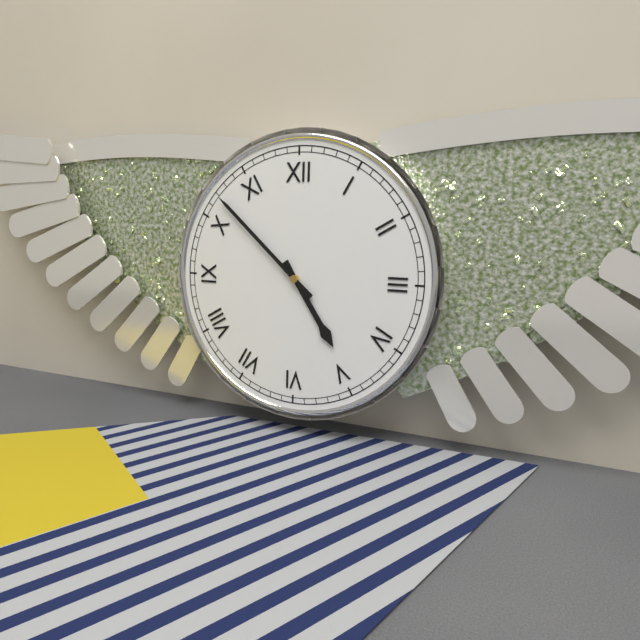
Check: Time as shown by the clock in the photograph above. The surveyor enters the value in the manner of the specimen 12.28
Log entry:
4.52
